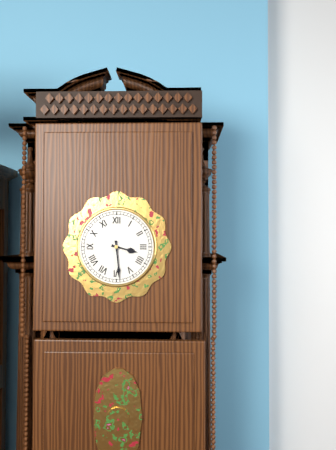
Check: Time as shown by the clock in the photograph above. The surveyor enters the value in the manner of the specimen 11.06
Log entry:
3.29
